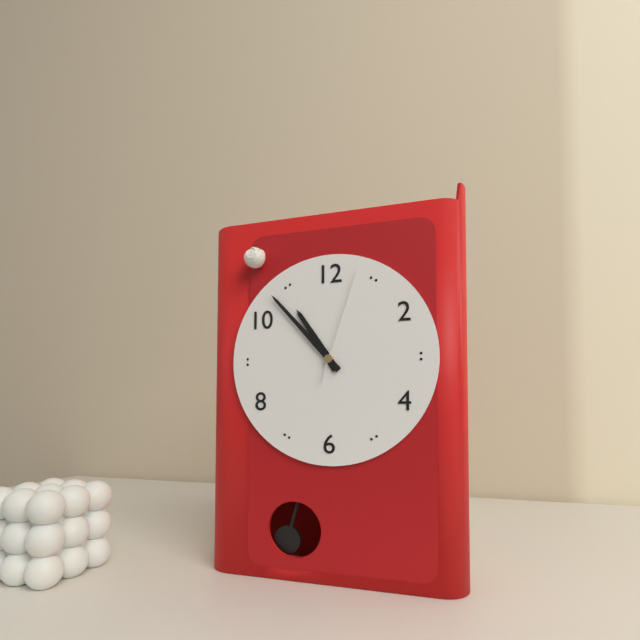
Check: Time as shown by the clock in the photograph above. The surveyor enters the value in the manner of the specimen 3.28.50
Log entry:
10.53.03
